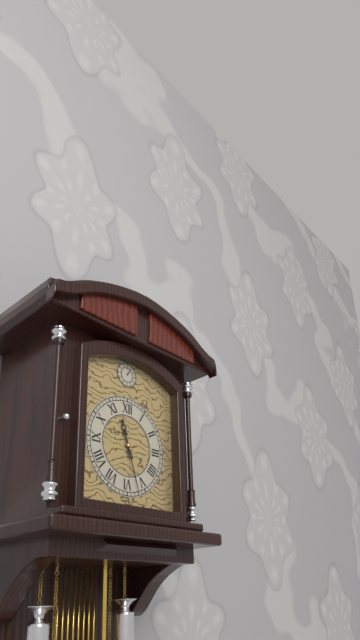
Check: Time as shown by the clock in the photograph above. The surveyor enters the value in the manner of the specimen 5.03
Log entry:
11.27
